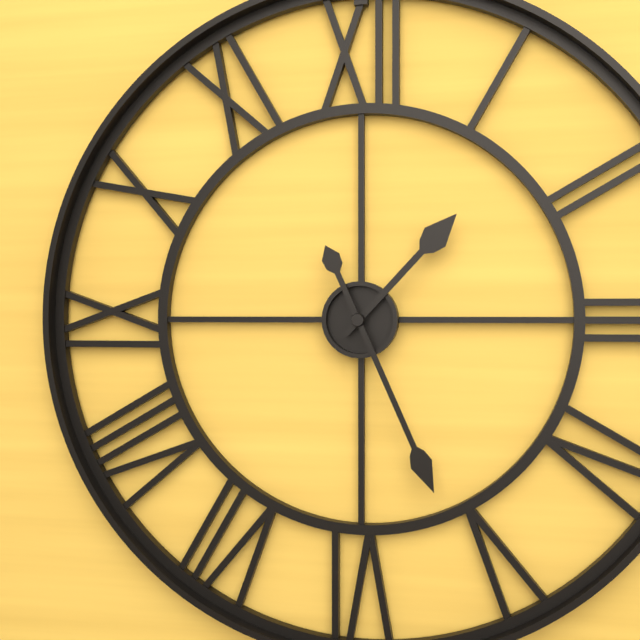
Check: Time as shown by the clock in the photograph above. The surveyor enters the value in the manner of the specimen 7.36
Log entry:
1.26
